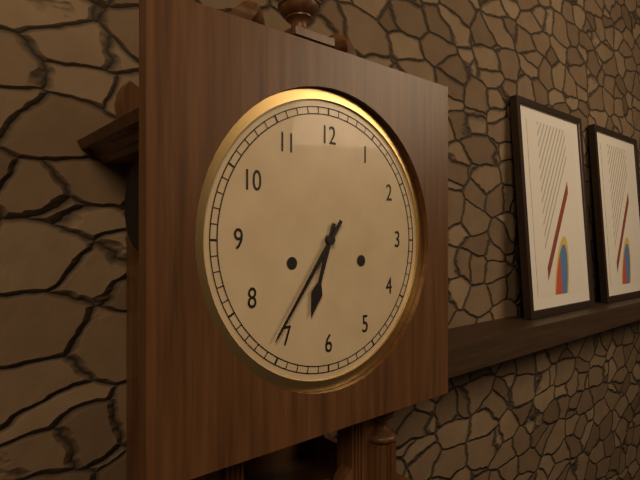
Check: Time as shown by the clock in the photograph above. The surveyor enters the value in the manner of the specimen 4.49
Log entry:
6.36
